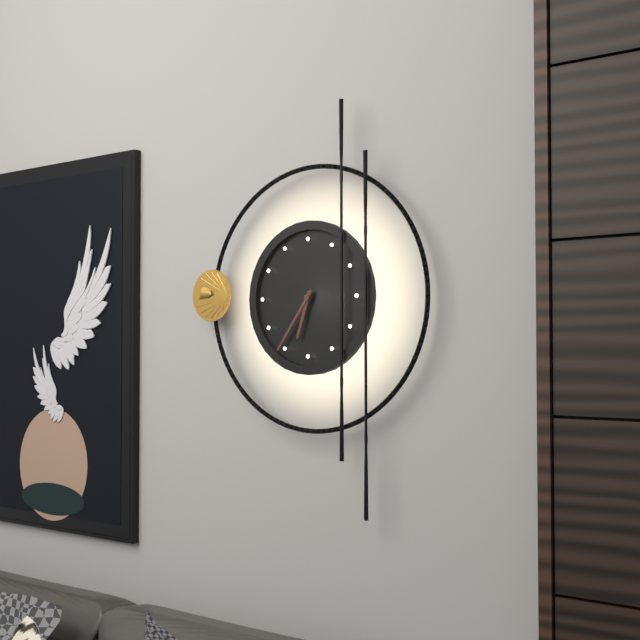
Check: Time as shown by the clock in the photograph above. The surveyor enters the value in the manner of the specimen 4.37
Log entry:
6.36
